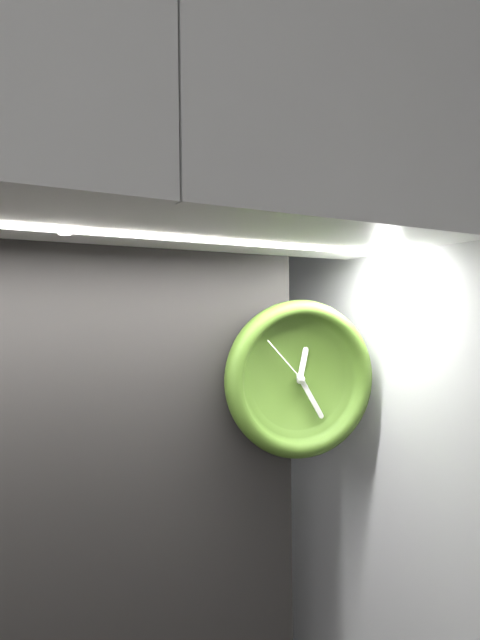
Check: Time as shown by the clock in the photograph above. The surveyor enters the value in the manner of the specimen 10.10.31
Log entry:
12.25.53
